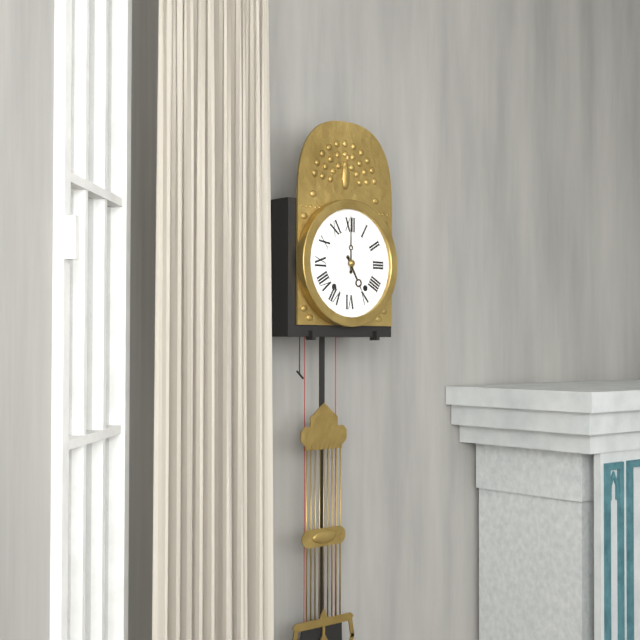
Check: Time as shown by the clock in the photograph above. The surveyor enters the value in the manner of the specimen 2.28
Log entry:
5.00
